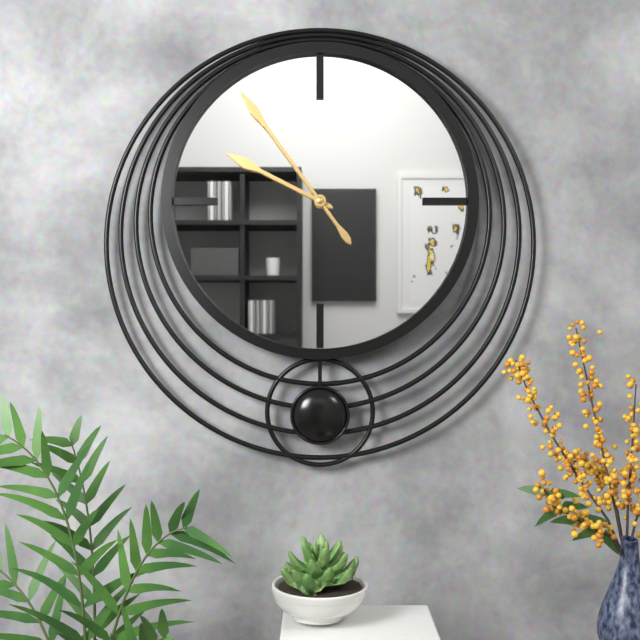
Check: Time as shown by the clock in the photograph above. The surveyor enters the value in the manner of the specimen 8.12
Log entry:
9.54
